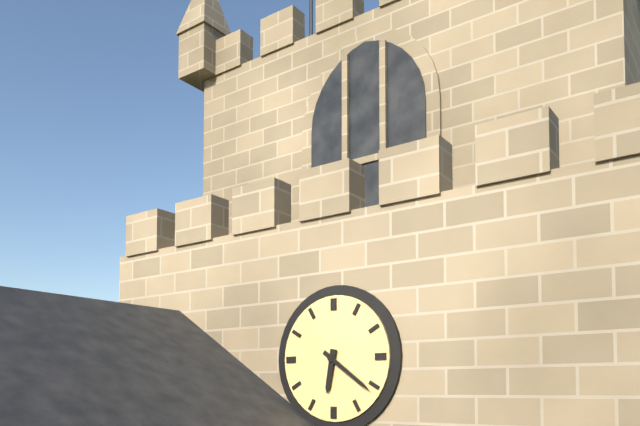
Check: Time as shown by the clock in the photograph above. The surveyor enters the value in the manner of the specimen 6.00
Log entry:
6.21
